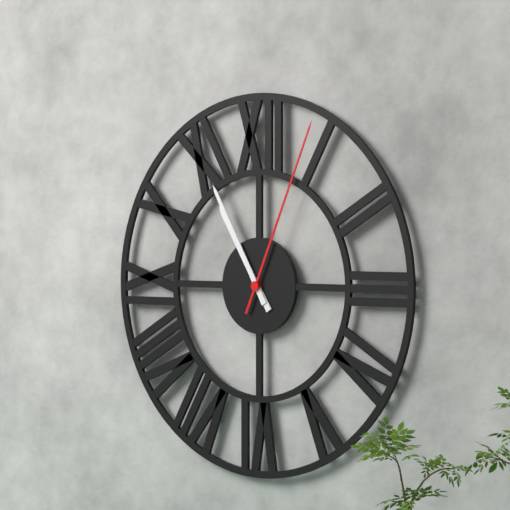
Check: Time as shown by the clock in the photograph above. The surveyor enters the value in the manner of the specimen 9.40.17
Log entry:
10.55.04
